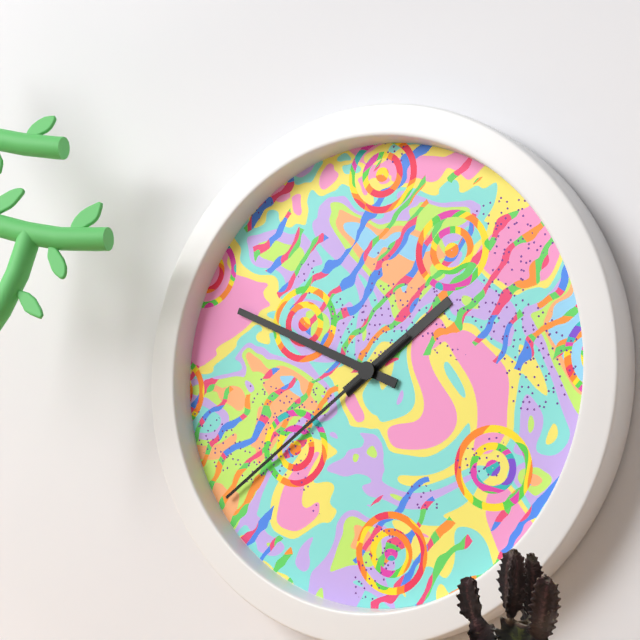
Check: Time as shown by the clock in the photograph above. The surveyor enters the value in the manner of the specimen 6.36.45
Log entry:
1.49.39
